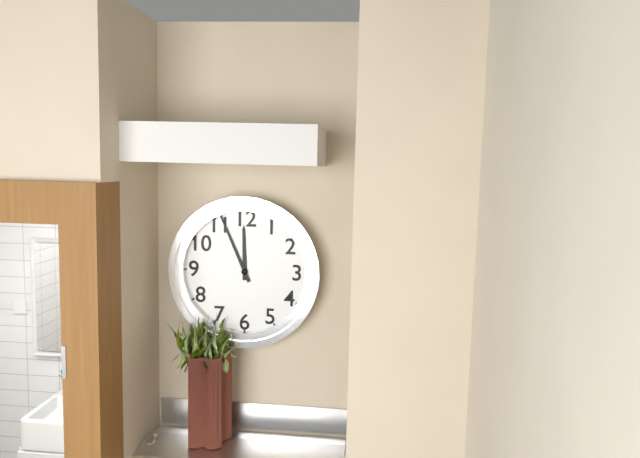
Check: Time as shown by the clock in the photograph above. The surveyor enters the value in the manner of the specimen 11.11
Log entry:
11.56
